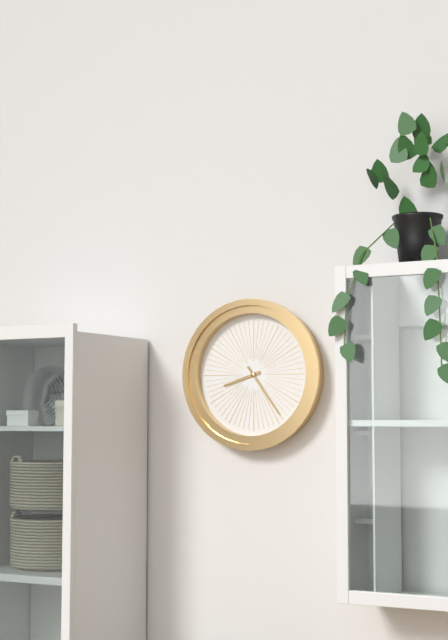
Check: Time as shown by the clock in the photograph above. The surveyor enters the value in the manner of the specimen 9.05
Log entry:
8.24
